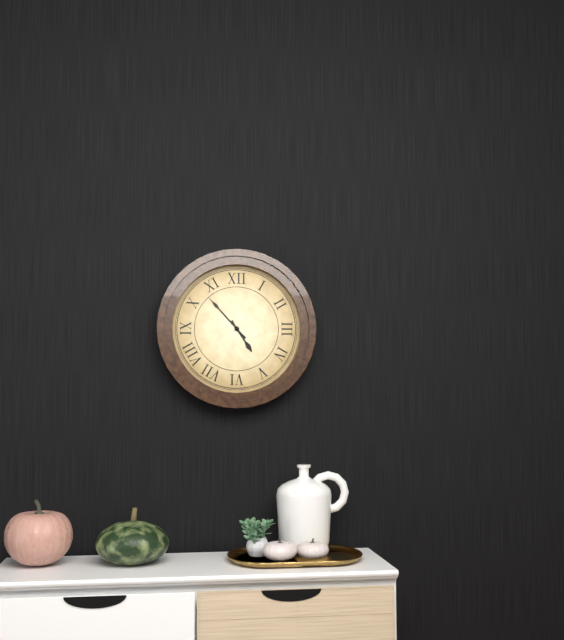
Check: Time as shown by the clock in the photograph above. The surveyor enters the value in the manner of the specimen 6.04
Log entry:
4.53
